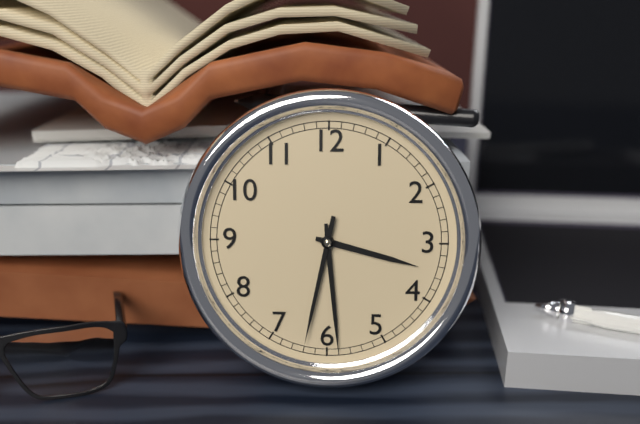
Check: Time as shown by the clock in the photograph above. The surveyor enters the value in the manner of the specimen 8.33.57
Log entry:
3.29.32
